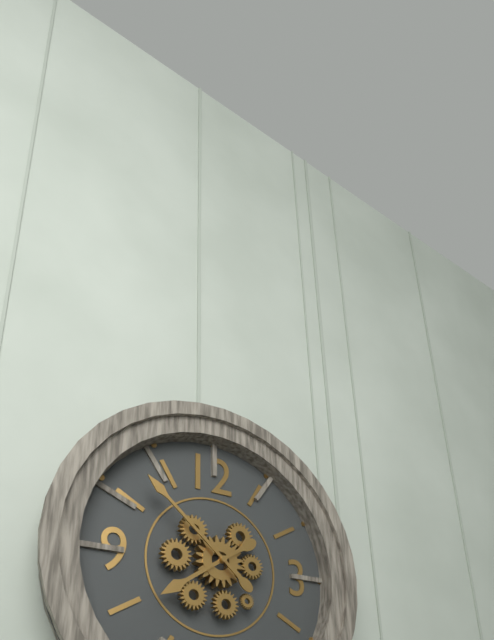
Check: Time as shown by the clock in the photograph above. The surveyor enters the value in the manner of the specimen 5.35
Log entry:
7.52
